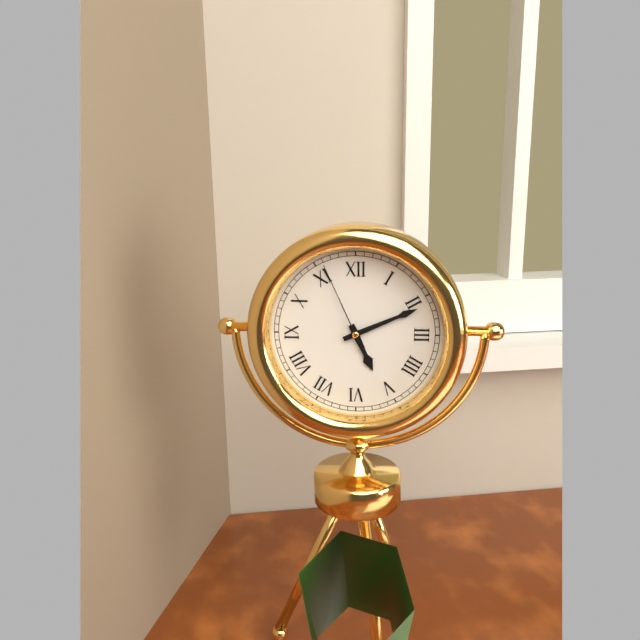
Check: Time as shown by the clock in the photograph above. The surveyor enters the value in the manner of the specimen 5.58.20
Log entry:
5.11.56
